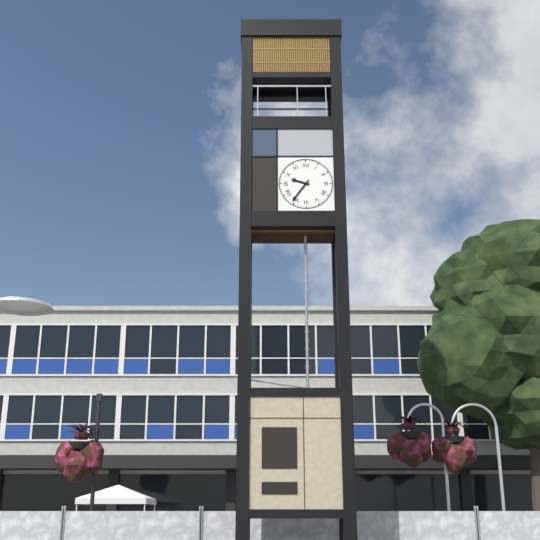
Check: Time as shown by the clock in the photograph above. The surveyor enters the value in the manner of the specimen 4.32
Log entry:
9.36
